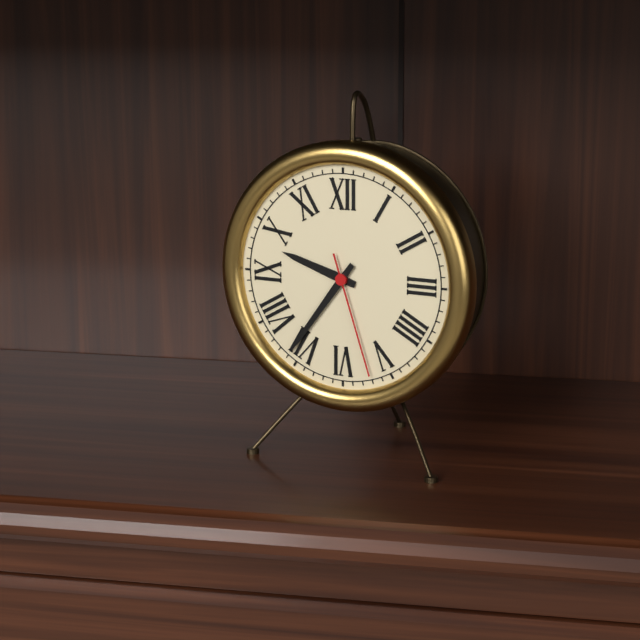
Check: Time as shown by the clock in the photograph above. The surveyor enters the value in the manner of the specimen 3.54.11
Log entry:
9.36.27
